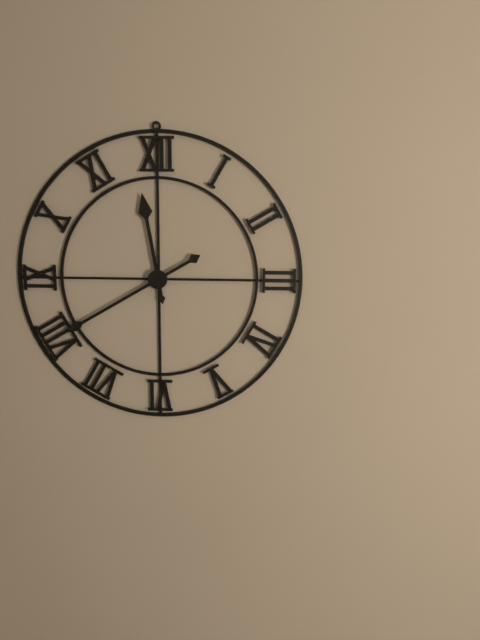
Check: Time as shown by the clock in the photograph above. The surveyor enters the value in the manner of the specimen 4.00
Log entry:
11.40
